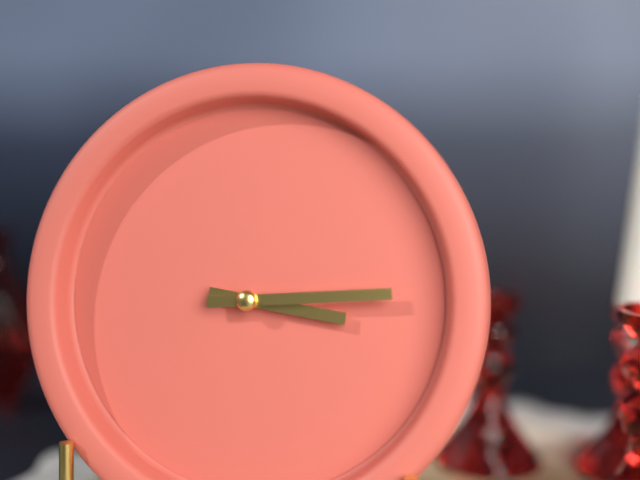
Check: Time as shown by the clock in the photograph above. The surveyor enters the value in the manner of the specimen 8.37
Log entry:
3.14
